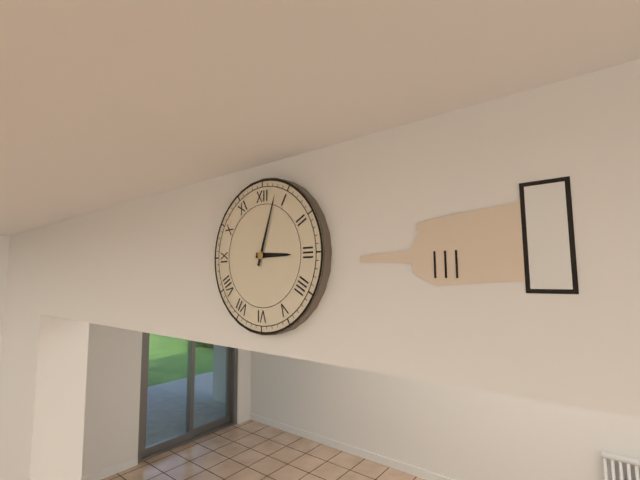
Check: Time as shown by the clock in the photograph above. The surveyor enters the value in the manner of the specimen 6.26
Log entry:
3.03
